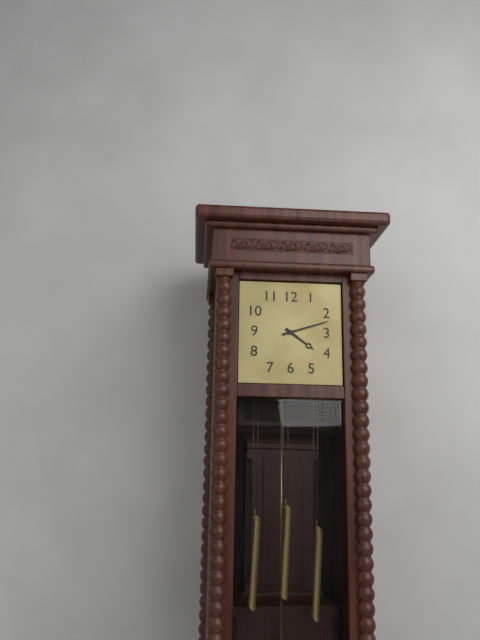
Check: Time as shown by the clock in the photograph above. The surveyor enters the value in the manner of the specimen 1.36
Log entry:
4.12
